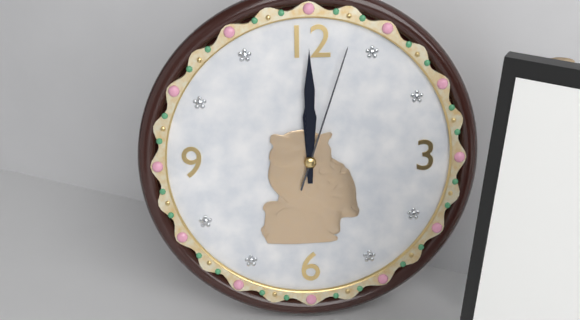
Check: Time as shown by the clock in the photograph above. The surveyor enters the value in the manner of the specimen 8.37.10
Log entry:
12.00.03
